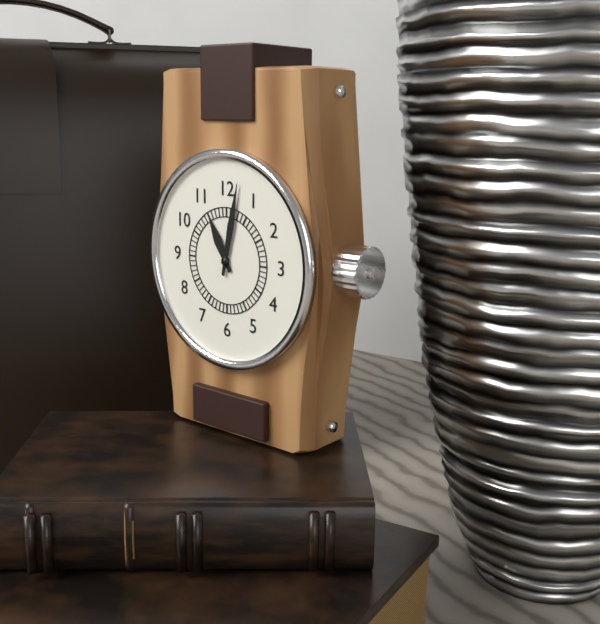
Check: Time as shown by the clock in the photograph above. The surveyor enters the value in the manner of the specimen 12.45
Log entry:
11.02
